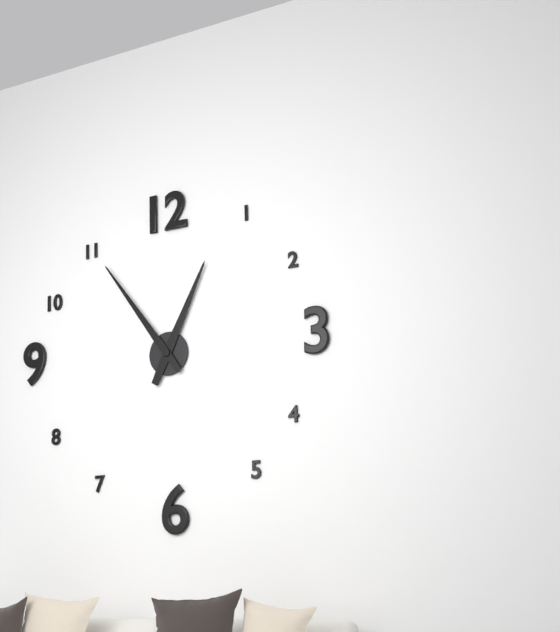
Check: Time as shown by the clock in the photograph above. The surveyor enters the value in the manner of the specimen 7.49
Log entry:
12.54
